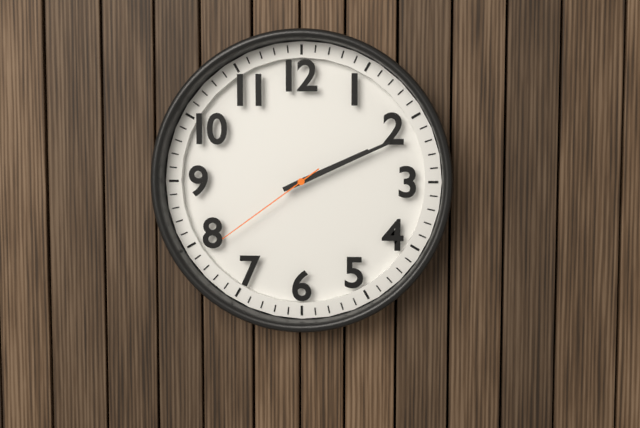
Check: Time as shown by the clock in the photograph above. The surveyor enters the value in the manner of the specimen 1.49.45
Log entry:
2.11.39
